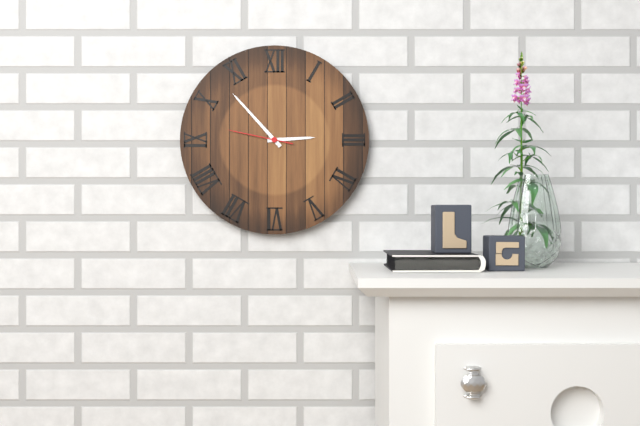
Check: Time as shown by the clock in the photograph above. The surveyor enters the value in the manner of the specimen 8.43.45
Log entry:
2.53.47
